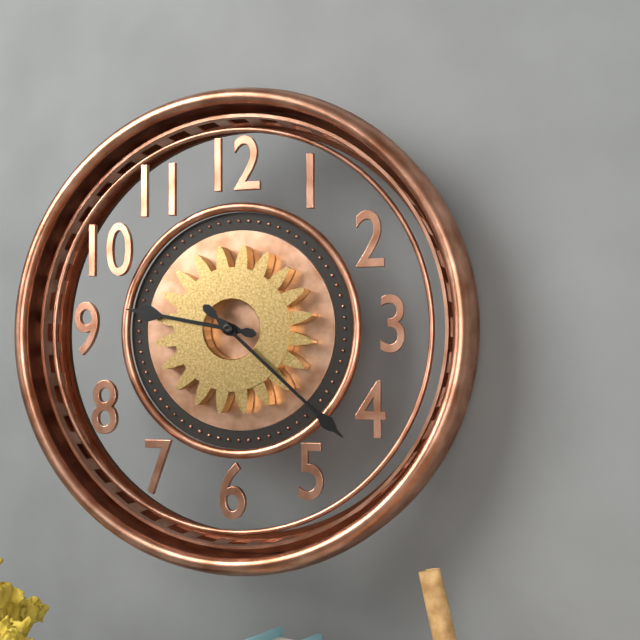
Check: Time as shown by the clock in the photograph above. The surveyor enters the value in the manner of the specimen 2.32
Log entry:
9.22
